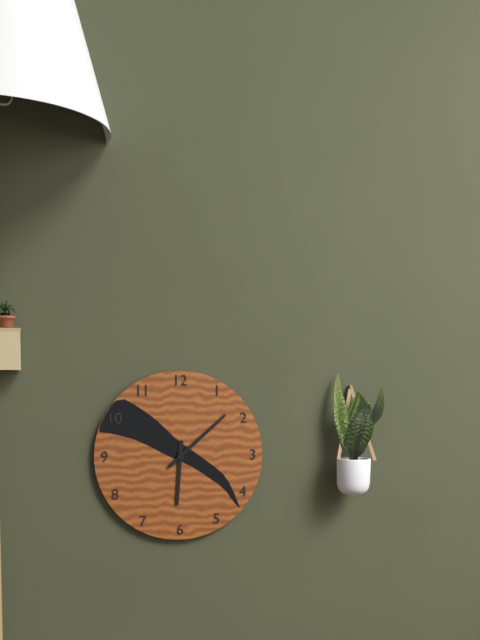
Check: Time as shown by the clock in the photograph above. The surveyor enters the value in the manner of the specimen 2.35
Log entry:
6.08
